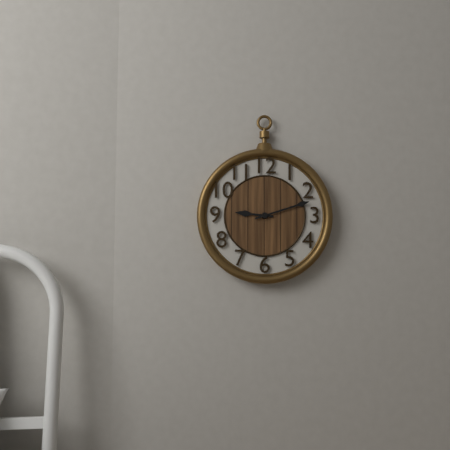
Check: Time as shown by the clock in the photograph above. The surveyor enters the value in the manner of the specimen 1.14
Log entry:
9.12
